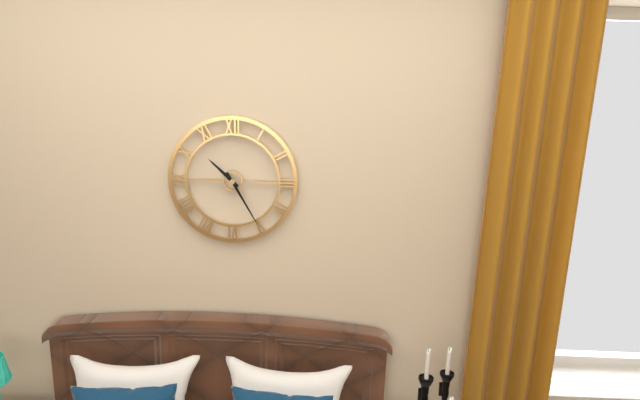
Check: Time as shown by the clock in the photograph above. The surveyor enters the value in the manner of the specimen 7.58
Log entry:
10.25
